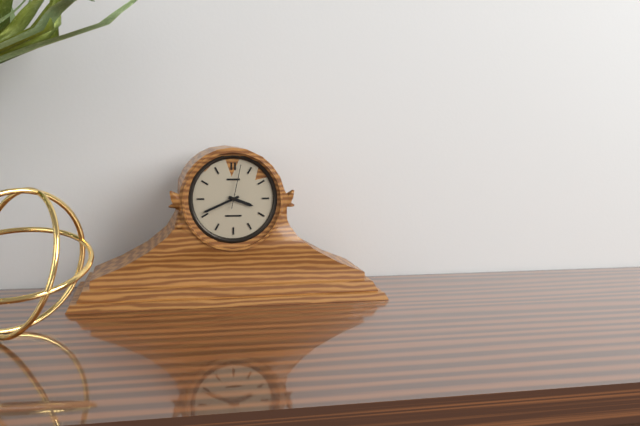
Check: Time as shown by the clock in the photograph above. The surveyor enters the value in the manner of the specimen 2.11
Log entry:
3.41
